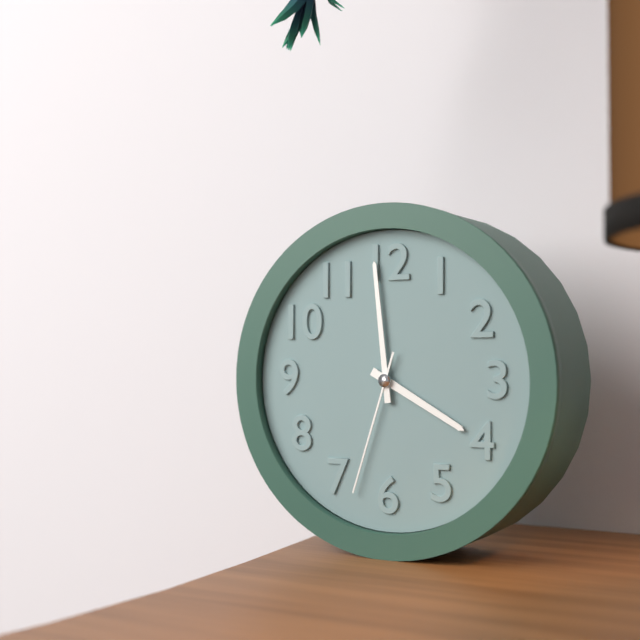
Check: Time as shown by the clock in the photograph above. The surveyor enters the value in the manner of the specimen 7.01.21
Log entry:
3.59.33
